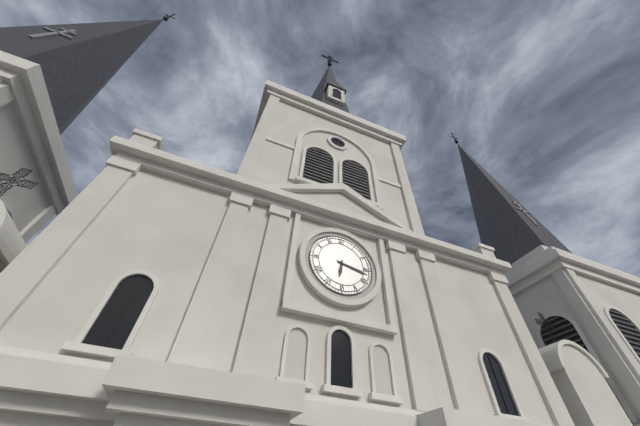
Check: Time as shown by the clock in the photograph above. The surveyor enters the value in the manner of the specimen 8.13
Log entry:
6.17
